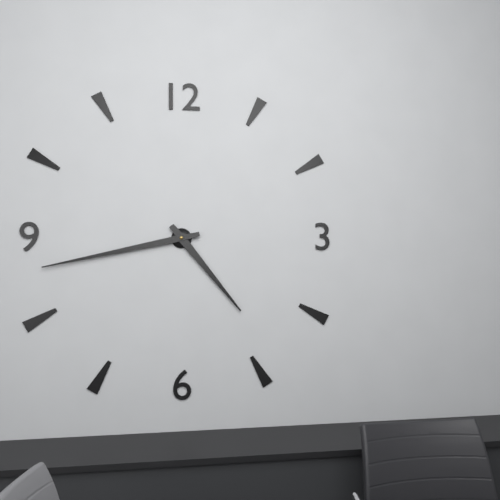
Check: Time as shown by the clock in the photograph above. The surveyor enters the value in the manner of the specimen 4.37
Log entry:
4.43
